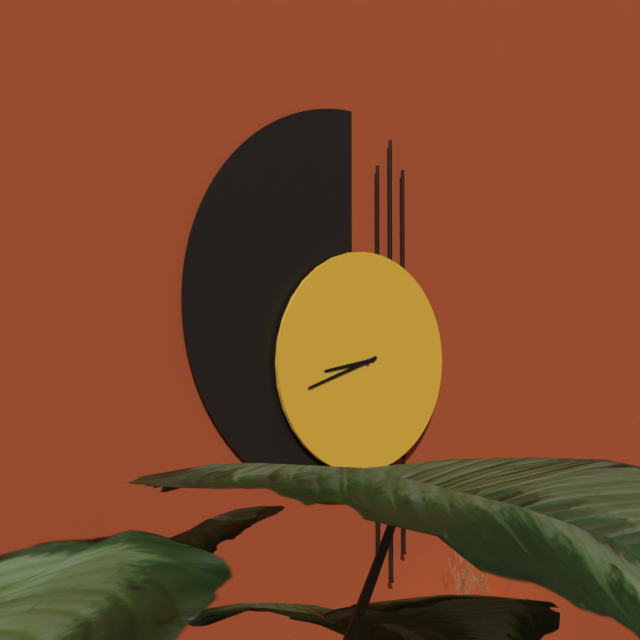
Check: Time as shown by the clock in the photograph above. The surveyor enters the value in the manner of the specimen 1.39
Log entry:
8.42
